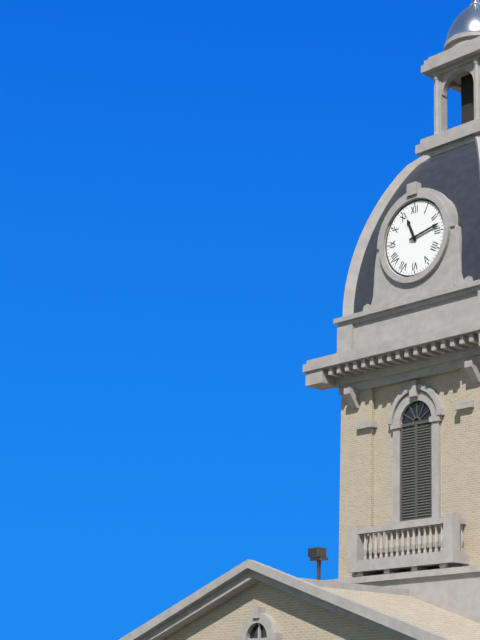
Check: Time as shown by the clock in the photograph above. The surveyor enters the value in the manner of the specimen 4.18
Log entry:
11.13
